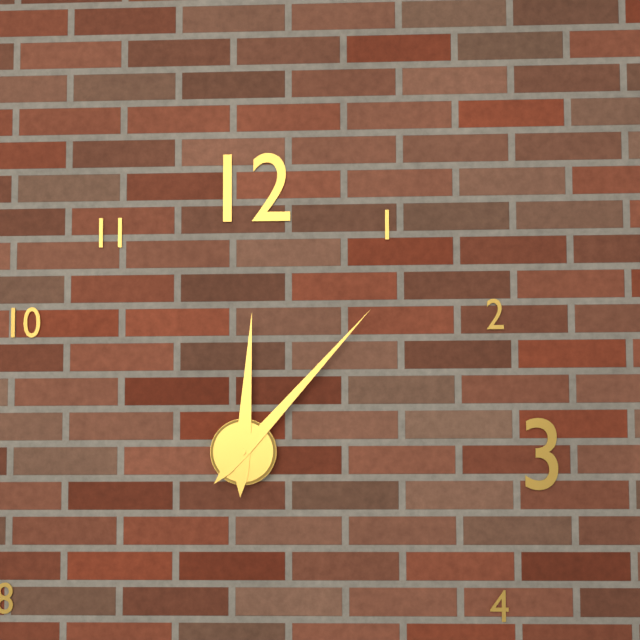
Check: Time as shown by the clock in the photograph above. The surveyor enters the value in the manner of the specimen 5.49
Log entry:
12.07
